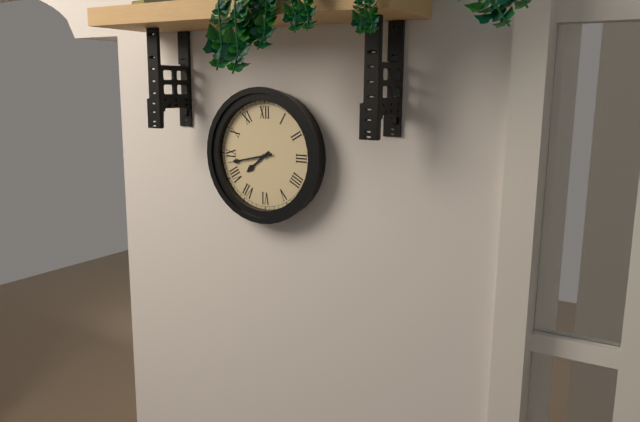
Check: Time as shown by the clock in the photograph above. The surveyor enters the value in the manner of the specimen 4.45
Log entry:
7.43
